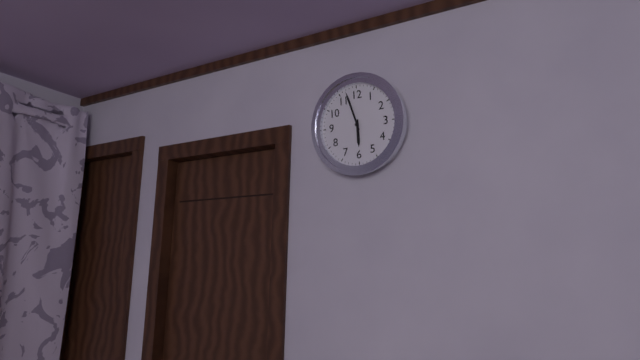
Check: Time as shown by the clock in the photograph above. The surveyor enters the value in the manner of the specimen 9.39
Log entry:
5.57
